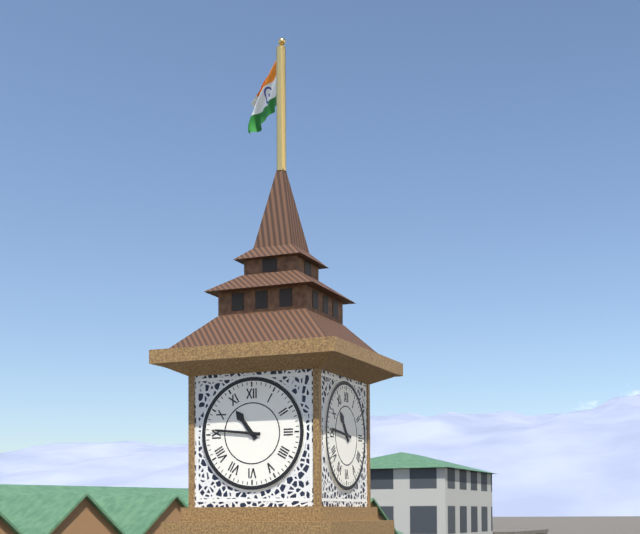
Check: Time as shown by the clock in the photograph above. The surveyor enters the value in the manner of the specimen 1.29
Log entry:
10.46
